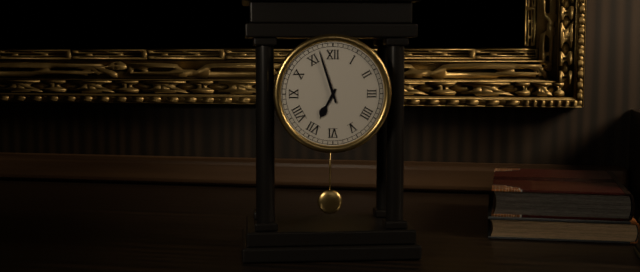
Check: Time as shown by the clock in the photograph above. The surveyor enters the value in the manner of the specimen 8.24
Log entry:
6.57
